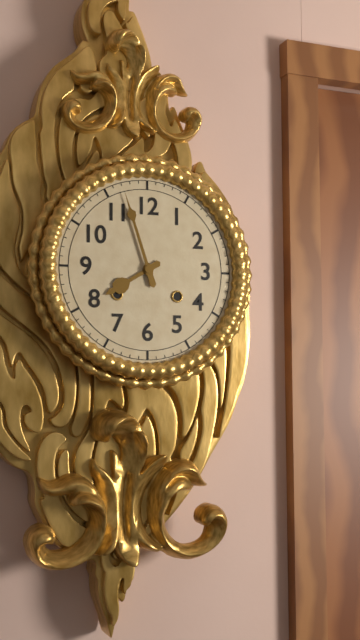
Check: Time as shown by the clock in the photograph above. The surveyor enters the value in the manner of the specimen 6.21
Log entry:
7.57
